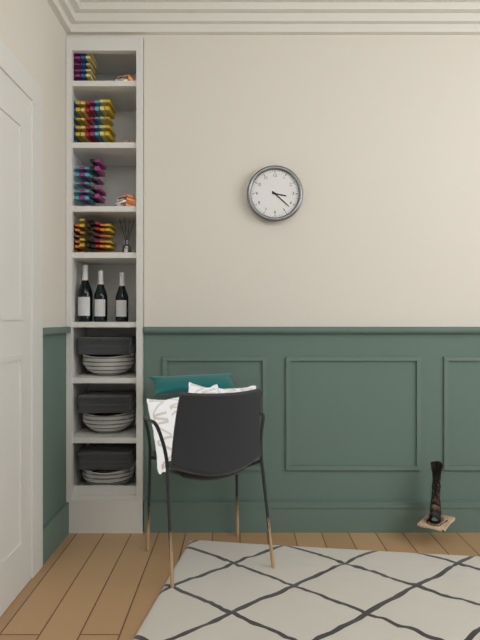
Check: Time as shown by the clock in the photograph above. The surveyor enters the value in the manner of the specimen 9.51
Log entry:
3.22
